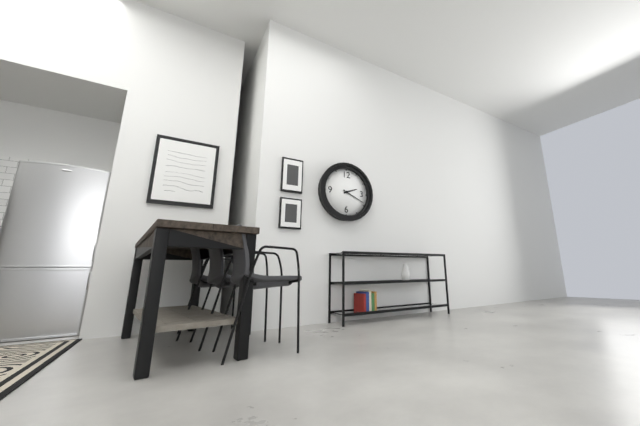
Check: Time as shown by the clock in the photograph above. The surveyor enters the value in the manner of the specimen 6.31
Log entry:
2.19
